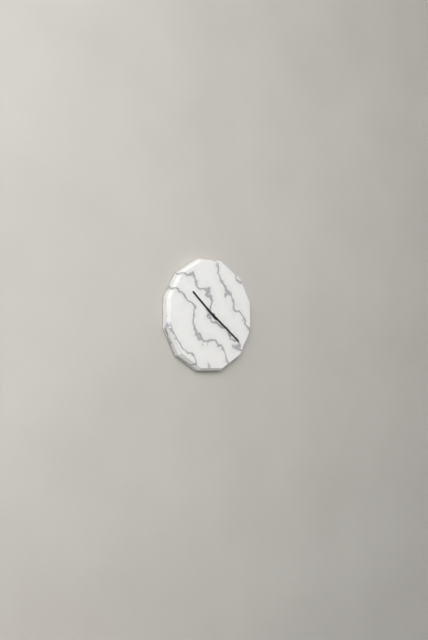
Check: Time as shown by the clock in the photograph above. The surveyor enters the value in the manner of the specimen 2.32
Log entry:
10.21
